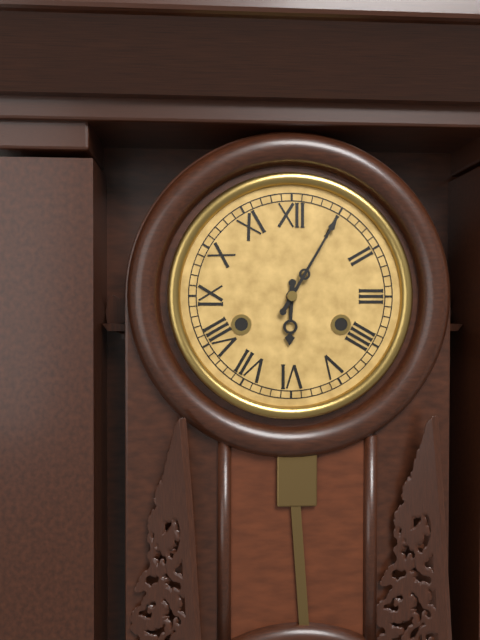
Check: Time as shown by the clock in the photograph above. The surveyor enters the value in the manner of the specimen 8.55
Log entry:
6.05
